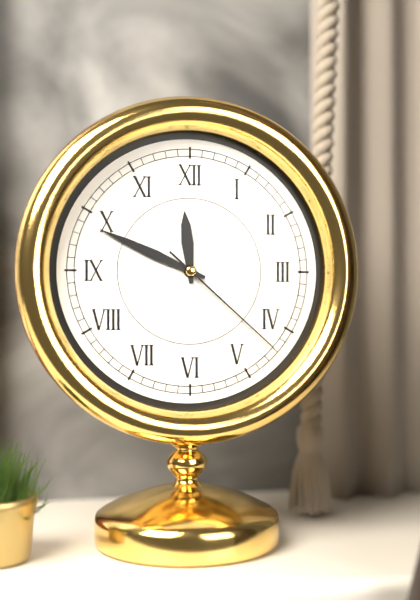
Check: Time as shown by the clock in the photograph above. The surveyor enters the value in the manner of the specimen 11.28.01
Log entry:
11.49.22
